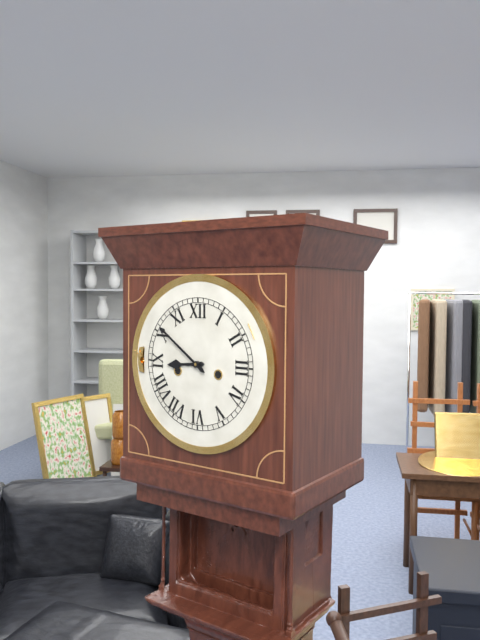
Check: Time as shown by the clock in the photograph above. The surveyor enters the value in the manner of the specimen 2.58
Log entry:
8.51
